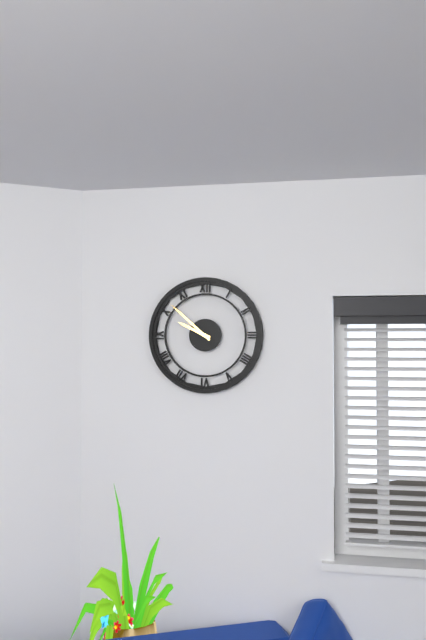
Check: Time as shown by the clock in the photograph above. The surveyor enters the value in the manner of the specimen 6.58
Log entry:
9.52
